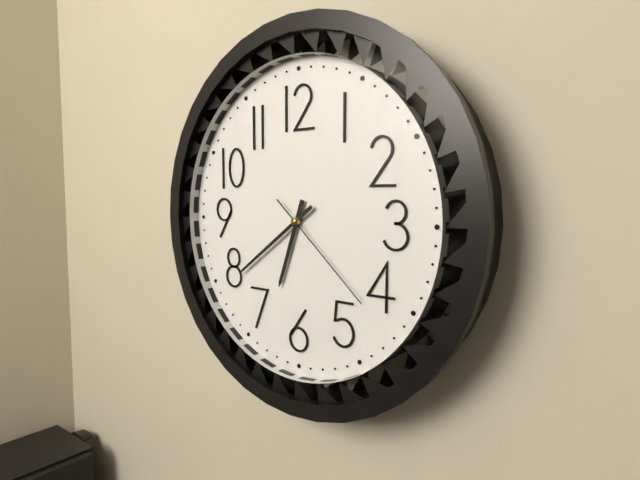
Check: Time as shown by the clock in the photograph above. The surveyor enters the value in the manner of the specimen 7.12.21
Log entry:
6.39.22
